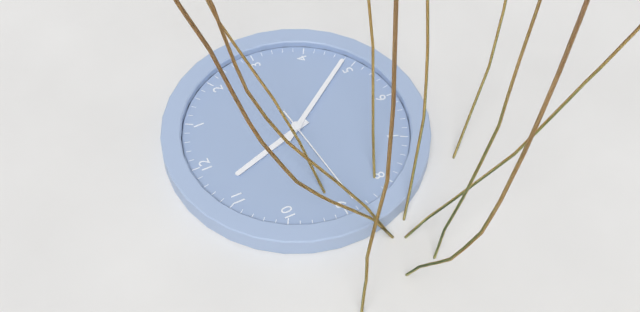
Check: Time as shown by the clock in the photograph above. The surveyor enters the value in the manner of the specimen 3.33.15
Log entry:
11.24.44
